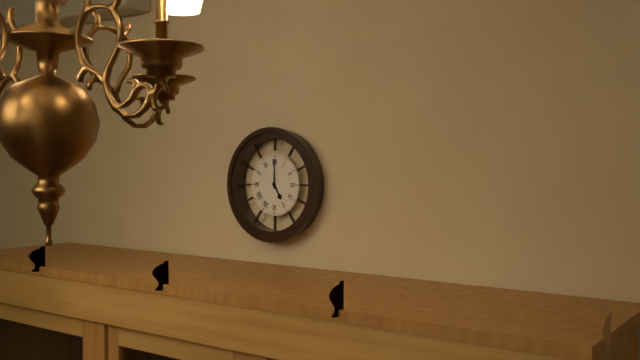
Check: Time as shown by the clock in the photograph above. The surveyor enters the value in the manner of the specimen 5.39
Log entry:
5.00
